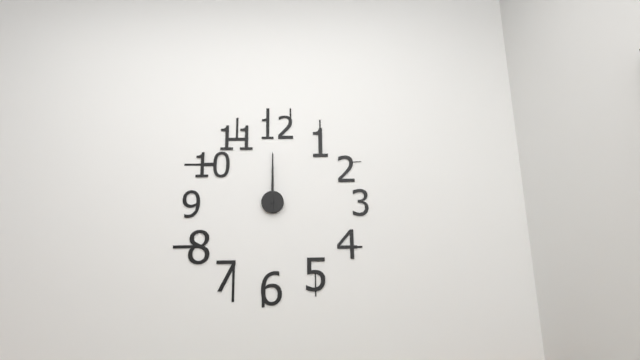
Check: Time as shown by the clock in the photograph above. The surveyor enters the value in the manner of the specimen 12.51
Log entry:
12.00
